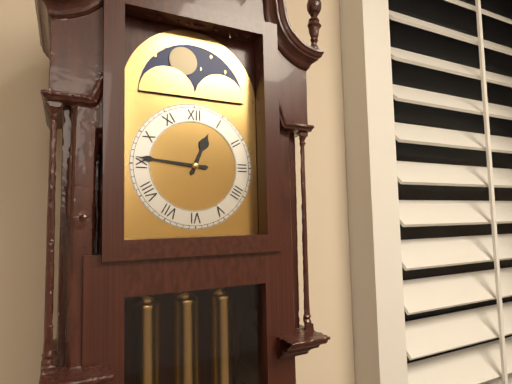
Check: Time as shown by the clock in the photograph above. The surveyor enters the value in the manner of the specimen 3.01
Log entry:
12.46
